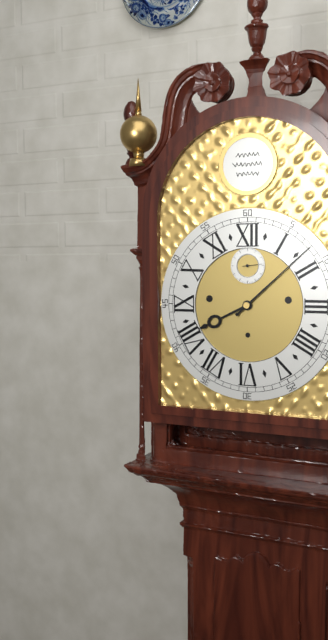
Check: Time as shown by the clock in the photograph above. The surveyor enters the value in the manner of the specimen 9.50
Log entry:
8.08
